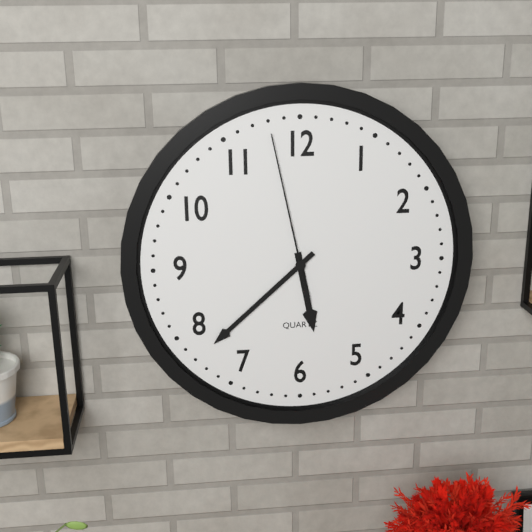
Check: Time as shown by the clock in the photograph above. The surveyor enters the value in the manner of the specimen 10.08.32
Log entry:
5.38.58
